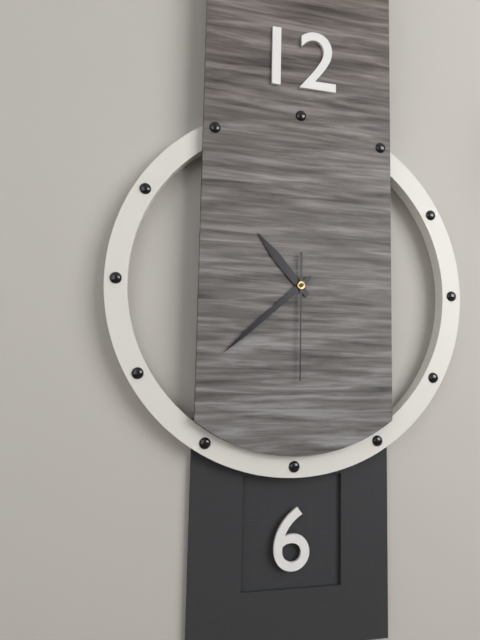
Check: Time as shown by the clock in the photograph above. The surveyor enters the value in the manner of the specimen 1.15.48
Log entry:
10.38.30
